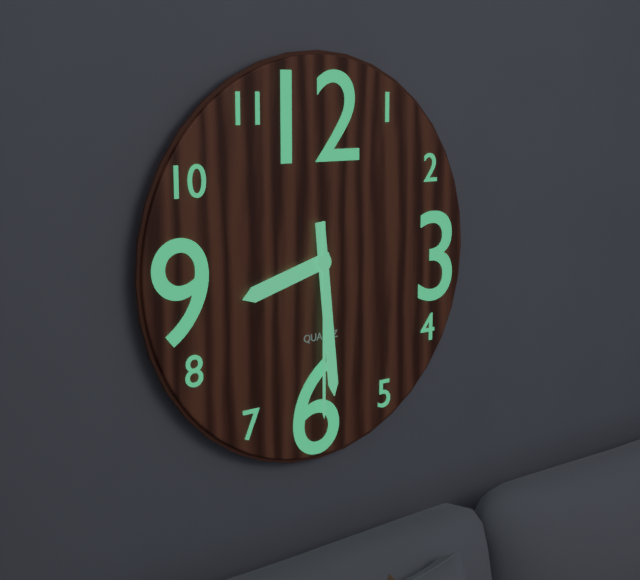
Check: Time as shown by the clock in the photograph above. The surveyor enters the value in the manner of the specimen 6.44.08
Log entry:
8.29.30
